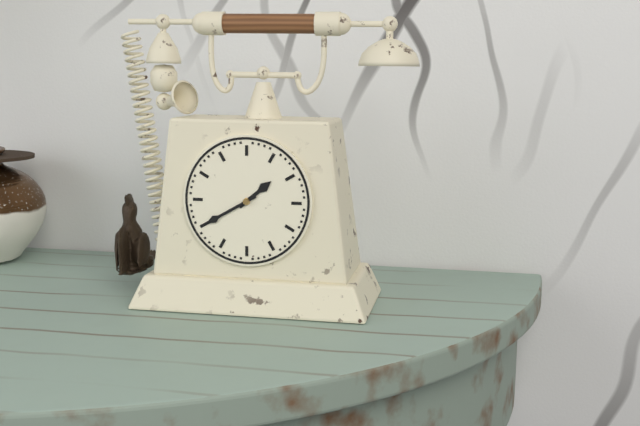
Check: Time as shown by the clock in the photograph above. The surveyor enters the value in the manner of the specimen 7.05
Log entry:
1.40
